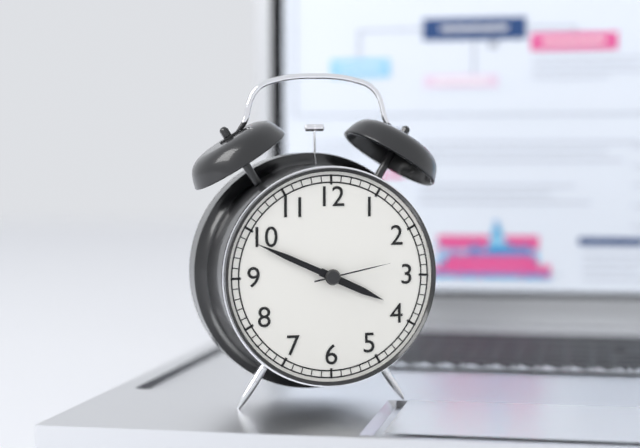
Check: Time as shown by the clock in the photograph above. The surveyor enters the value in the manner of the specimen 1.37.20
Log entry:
3.49.13
